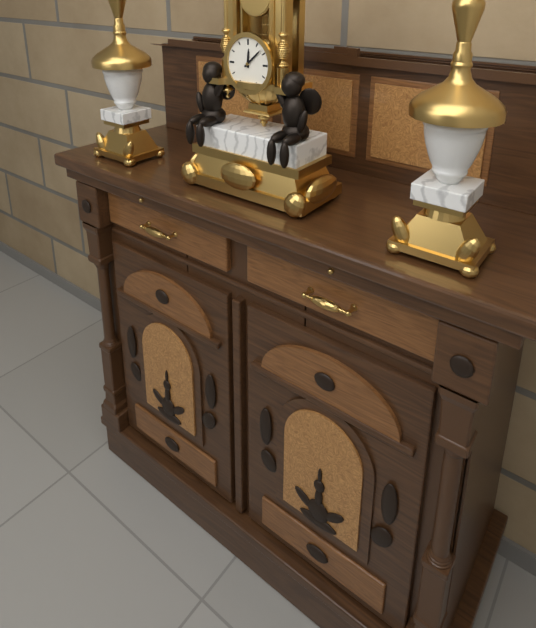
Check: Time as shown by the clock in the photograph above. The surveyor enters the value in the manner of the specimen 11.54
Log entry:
12.08
